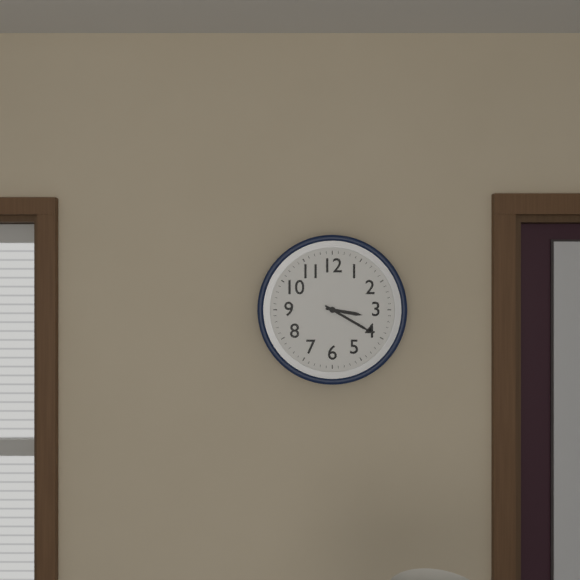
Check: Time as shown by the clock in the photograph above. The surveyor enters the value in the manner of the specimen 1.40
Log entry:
3.20
